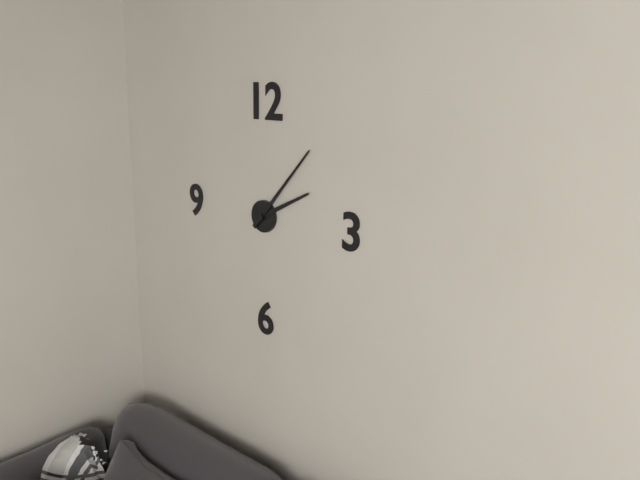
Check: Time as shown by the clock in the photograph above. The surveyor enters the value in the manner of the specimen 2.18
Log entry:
2.07
